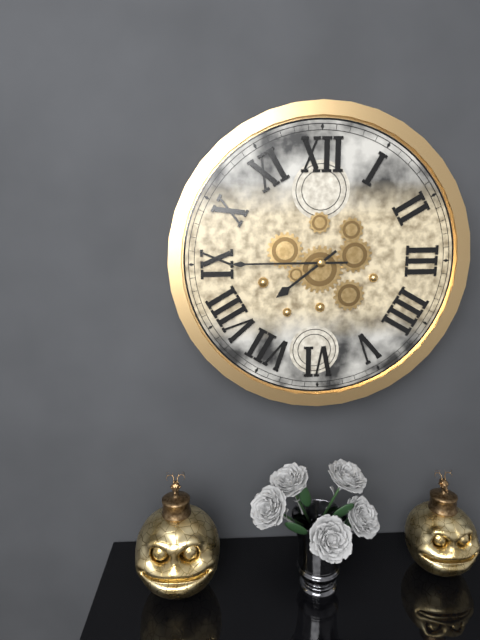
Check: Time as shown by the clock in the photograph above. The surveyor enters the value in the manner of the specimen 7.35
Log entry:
7.45
